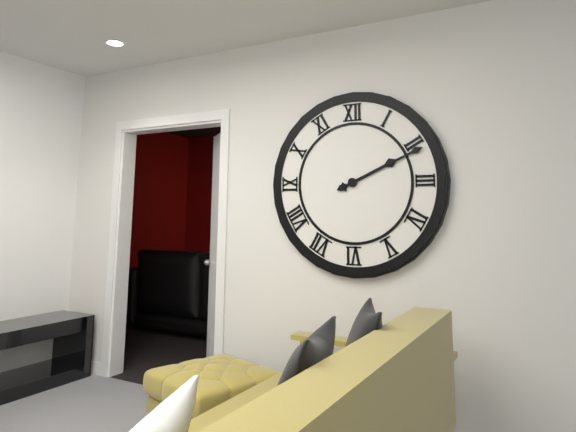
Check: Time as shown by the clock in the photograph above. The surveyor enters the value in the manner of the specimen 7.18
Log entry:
2.11
